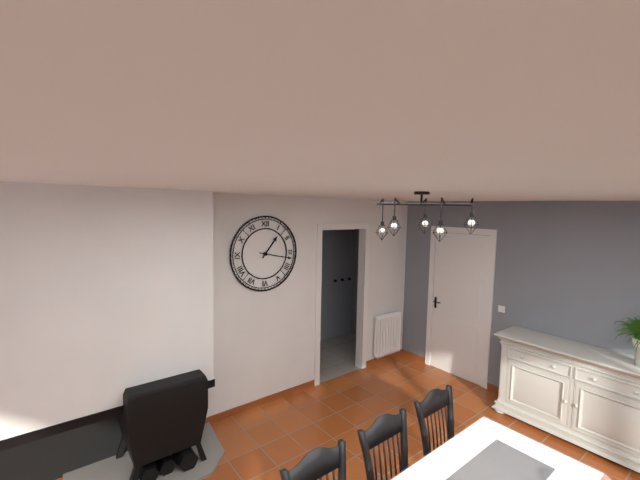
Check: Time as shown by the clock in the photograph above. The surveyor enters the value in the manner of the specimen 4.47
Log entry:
1.17
